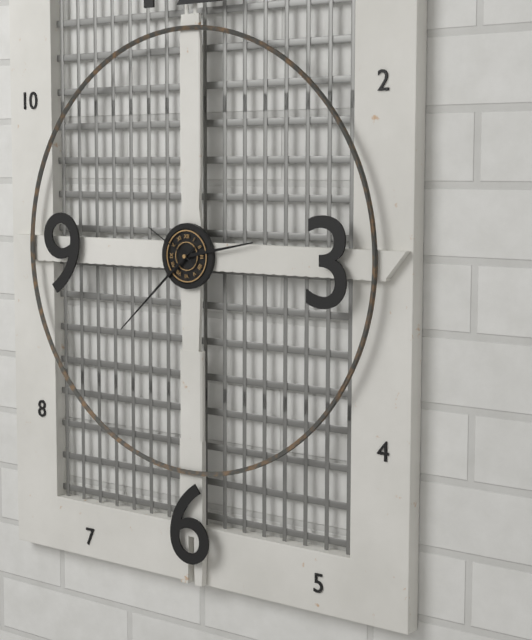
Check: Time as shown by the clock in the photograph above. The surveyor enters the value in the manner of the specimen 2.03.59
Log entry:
2.38.50
